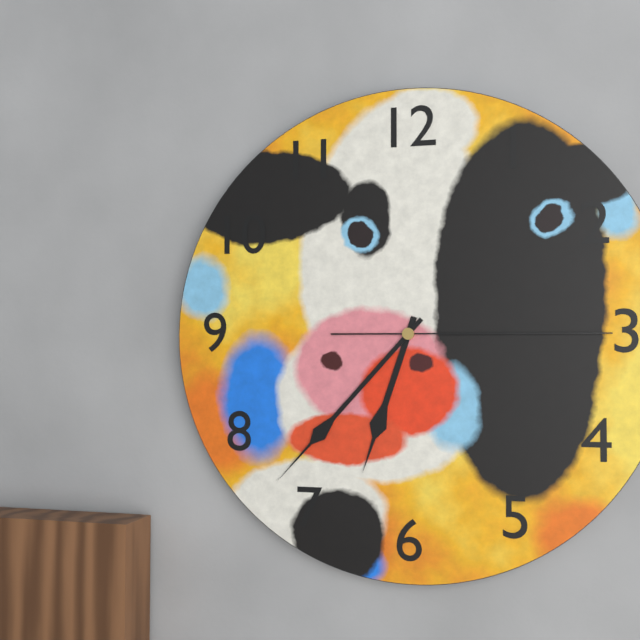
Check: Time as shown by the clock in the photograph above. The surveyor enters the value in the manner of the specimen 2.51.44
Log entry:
6.37.15
